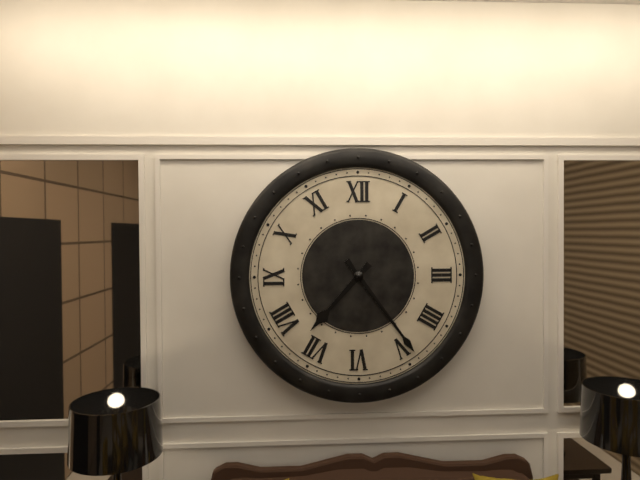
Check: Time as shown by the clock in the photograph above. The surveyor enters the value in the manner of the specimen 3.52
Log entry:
7.24
